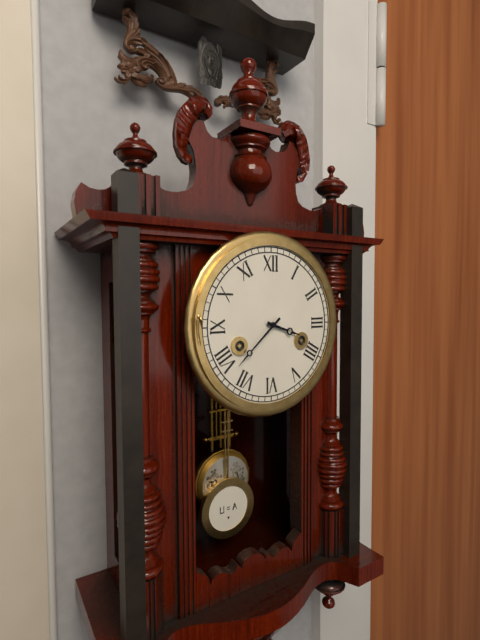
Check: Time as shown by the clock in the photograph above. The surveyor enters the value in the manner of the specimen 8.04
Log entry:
3.38
